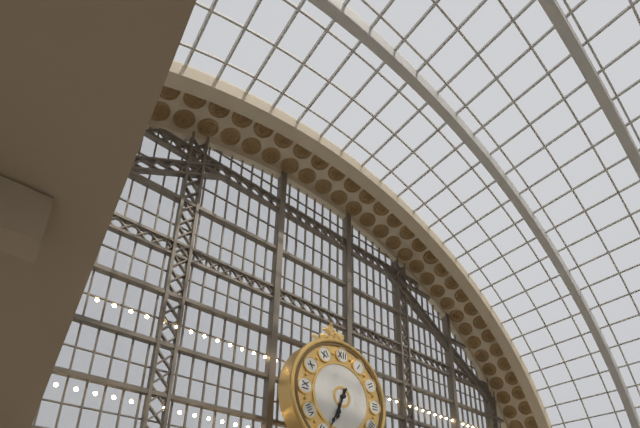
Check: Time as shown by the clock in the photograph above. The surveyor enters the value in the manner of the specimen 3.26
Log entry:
6.34
